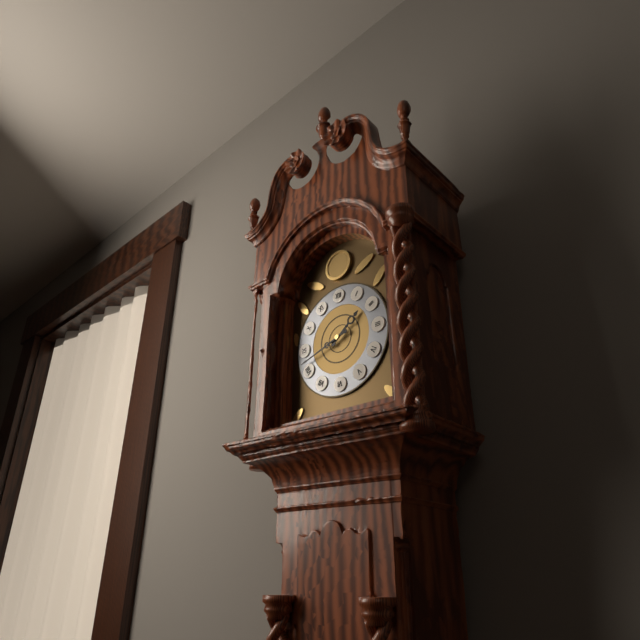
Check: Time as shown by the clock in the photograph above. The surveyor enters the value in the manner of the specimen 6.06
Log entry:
1.42
